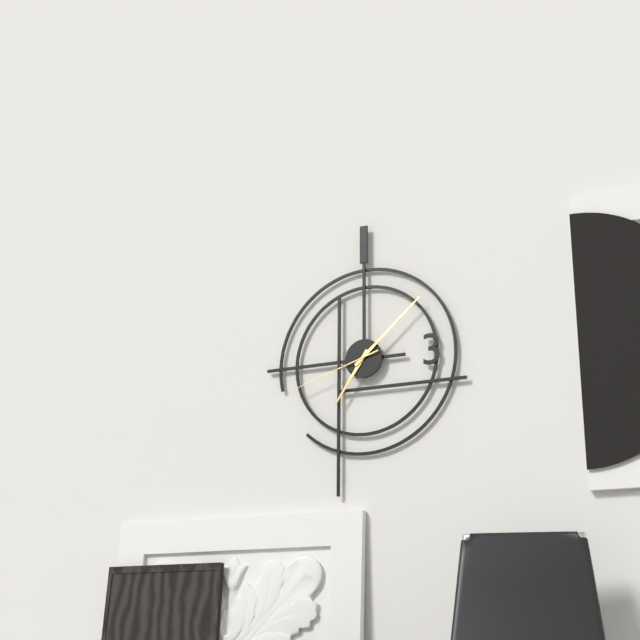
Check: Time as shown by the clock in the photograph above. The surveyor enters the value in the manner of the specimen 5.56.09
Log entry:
7.08.42
